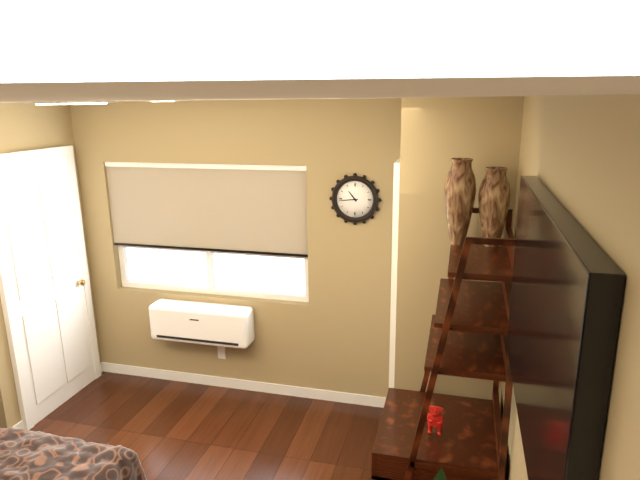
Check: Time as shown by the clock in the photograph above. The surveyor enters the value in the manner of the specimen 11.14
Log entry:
10.44
